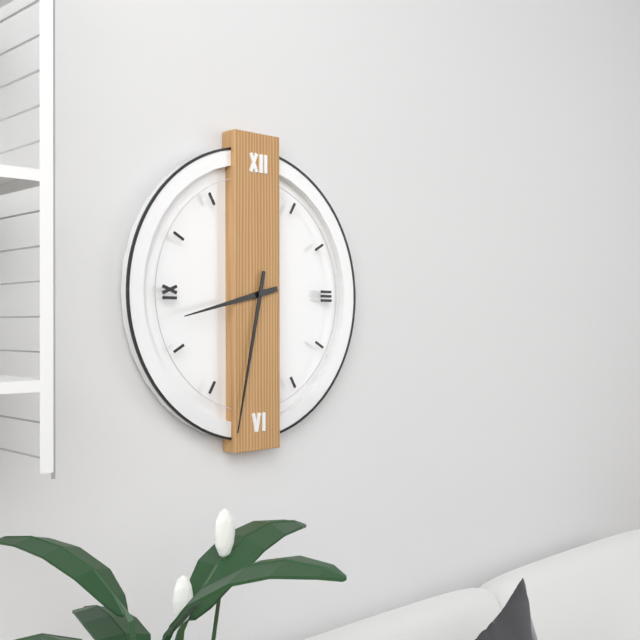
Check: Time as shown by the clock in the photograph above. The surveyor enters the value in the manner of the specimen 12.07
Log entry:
8.32
